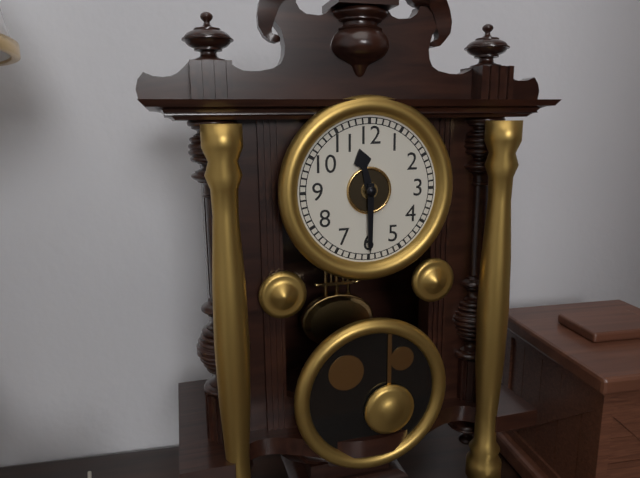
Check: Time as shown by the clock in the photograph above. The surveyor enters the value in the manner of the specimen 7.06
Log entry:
11.30
